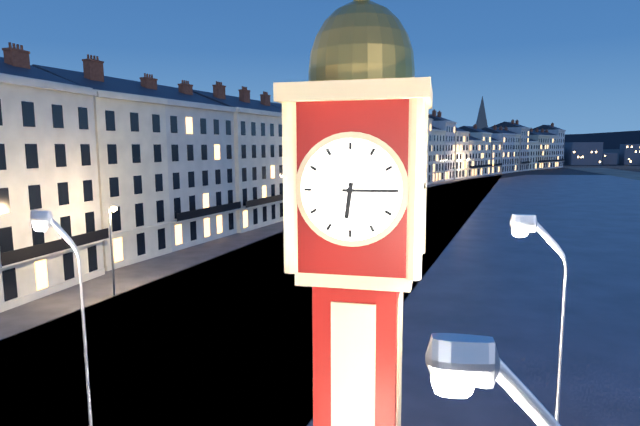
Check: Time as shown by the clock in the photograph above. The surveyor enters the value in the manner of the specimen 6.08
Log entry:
6.15
